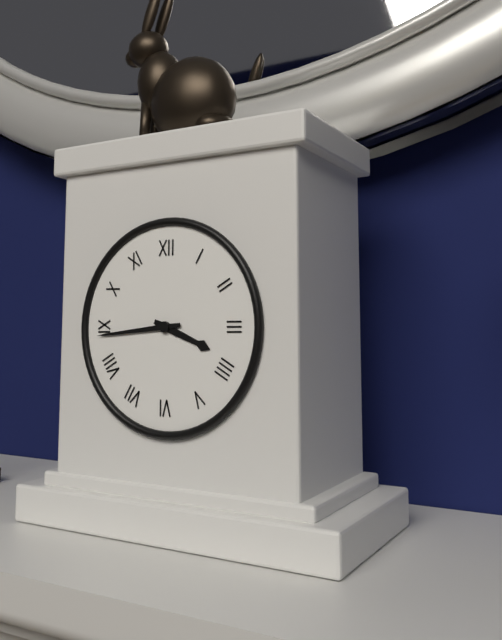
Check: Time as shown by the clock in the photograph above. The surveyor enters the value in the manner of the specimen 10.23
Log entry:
3.44
